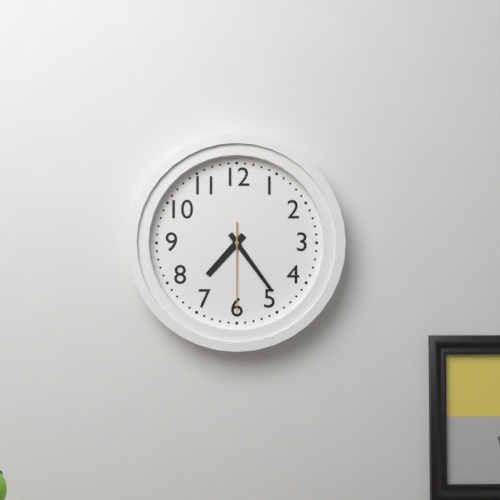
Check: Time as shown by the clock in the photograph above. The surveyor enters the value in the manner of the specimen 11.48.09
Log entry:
7.24.30
